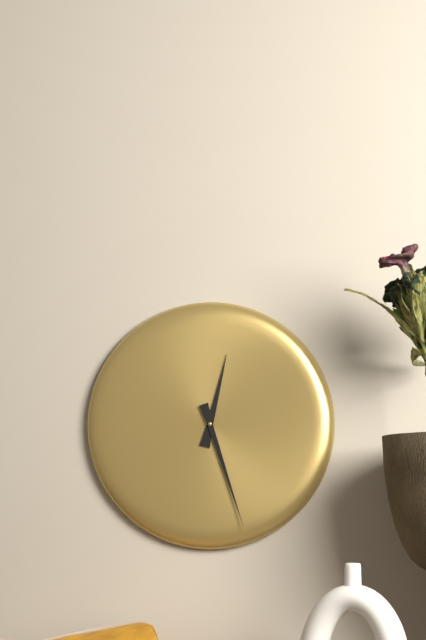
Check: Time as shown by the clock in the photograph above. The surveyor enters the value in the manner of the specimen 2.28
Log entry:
12.27
